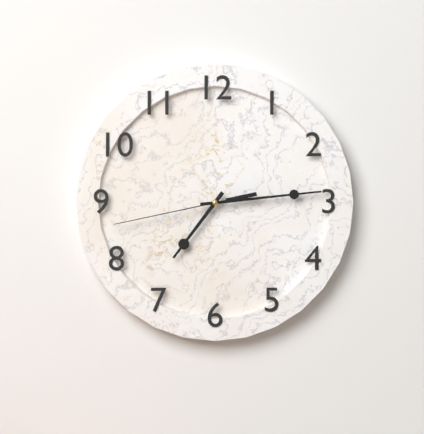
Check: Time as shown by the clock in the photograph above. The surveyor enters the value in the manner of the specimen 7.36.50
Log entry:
7.14.43
